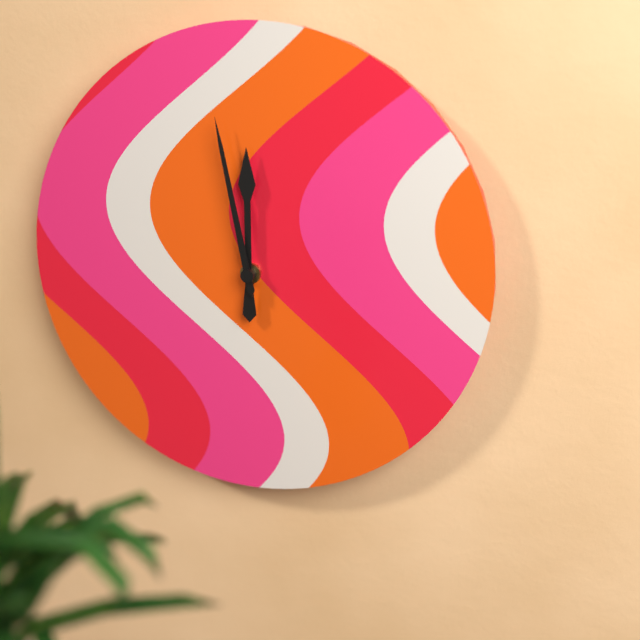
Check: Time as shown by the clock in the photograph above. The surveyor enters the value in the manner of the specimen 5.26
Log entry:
11.58
